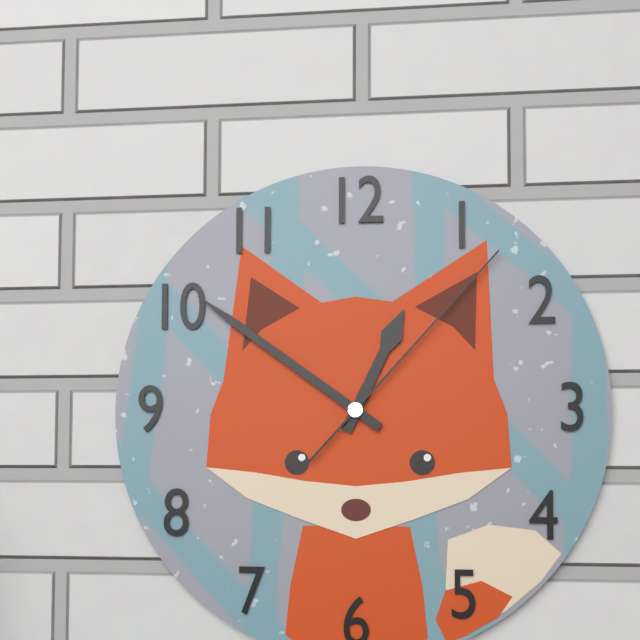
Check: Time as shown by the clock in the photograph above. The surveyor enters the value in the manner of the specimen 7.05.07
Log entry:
12.51.07
